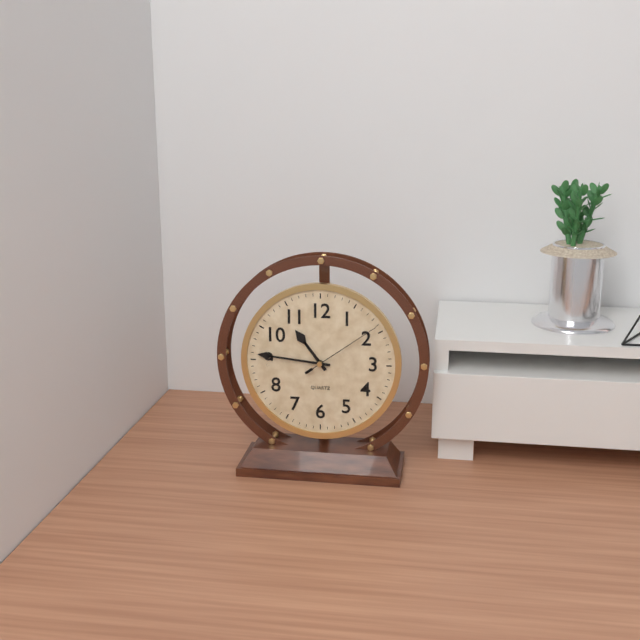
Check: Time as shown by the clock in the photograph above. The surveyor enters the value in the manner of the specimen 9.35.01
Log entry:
10.46.09
